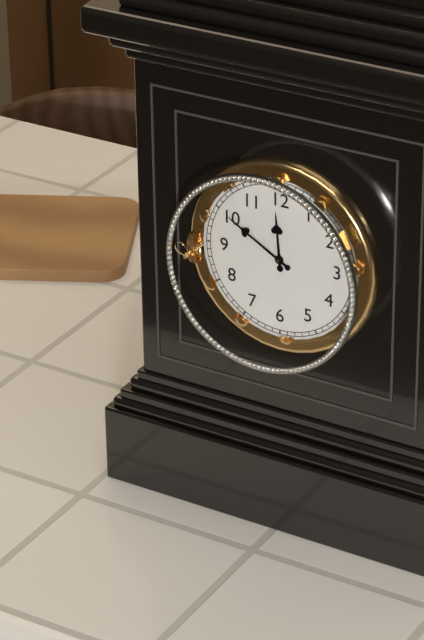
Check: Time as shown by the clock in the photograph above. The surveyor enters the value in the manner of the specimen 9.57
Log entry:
11.50
